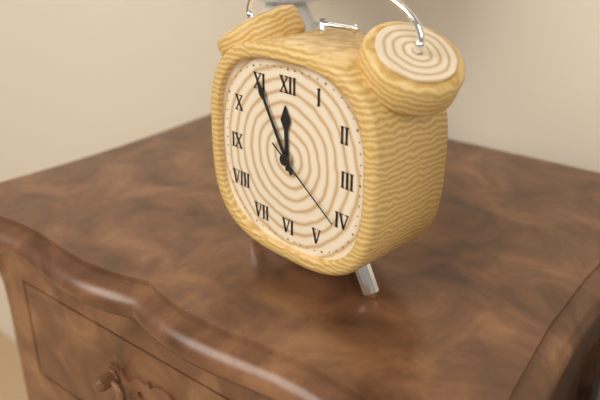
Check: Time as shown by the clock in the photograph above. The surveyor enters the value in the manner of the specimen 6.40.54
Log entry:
11.55.21
